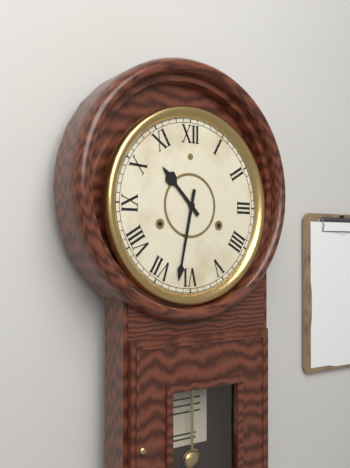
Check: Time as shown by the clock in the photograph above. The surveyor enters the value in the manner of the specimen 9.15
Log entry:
10.32
